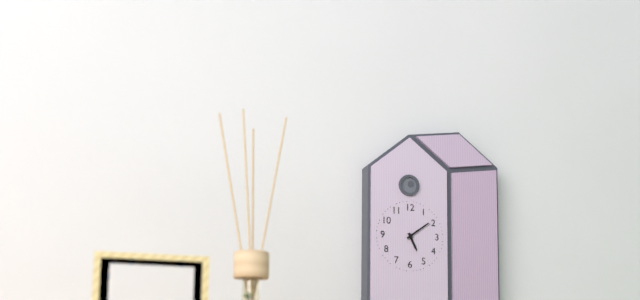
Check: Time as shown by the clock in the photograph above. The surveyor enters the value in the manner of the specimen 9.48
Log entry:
5.09
